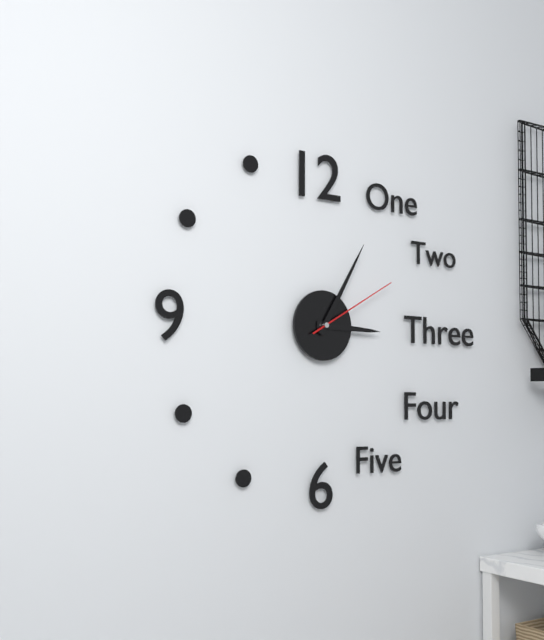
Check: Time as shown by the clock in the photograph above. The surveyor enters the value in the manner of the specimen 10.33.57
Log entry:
3.05.10
